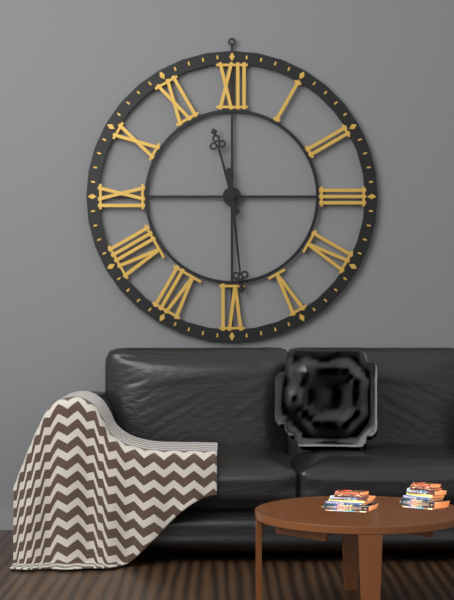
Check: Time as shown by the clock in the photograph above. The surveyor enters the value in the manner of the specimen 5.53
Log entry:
11.29
